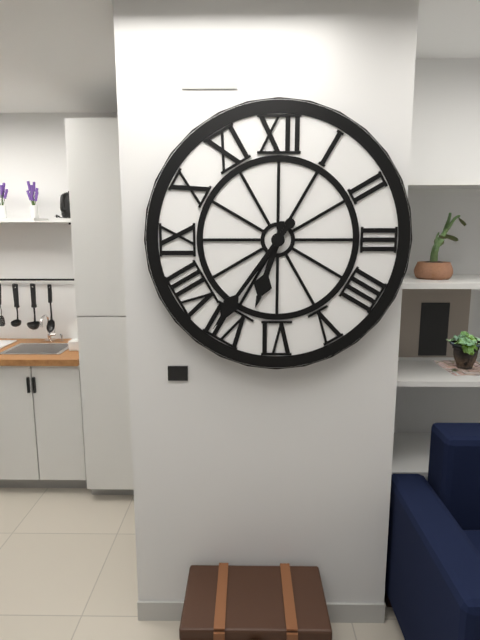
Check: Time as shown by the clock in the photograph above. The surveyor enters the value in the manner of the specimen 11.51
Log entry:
6.36
